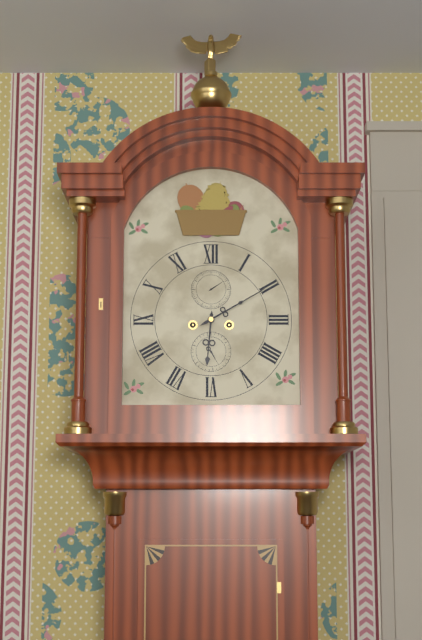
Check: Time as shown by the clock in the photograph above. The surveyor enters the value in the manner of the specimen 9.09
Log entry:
6.10
